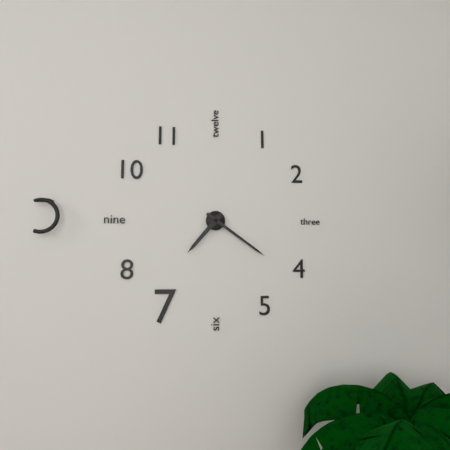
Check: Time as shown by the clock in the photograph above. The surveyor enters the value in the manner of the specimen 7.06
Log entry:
7.21
